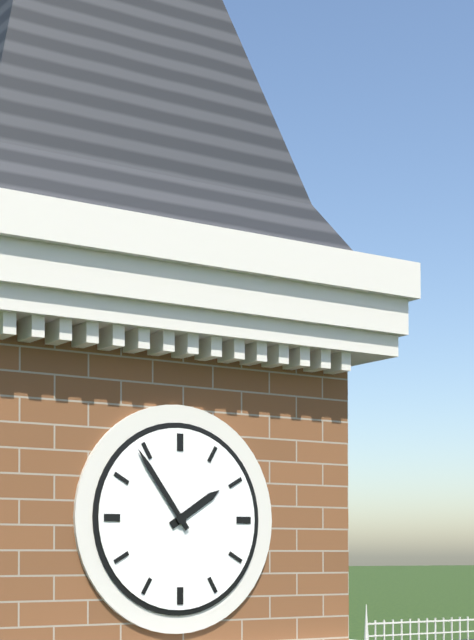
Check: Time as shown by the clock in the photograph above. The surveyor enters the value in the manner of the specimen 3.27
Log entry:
1.54
